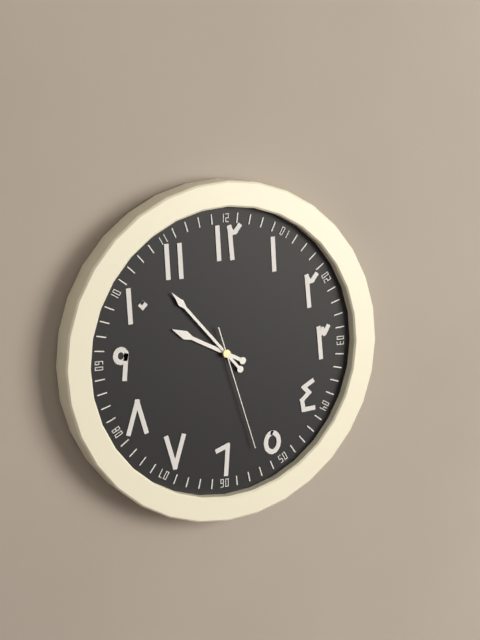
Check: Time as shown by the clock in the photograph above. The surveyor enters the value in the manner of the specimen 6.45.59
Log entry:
9.53.27
